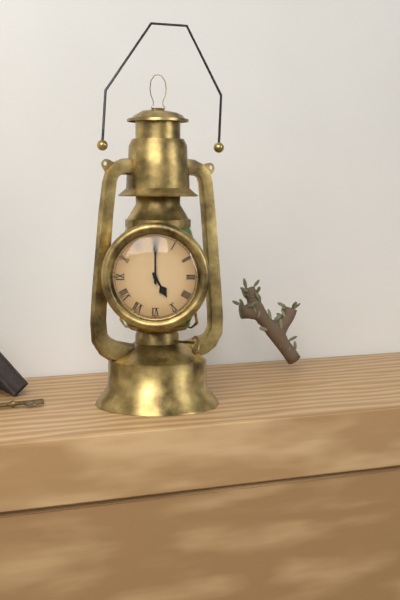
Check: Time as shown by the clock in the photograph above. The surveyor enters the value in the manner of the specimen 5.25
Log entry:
5.00
